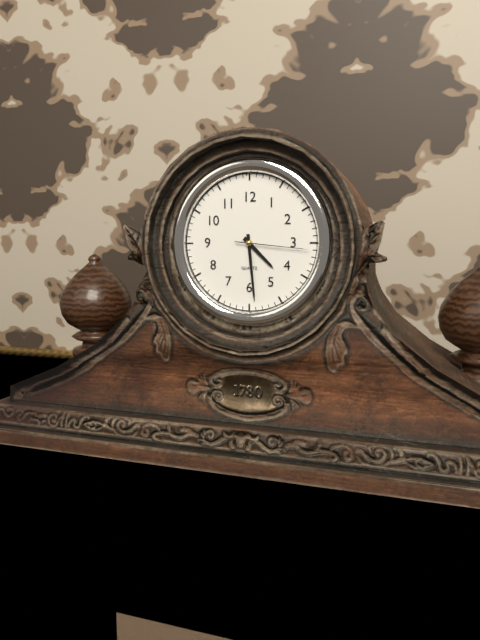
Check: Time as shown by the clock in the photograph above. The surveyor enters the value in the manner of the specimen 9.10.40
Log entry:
4.29.16
